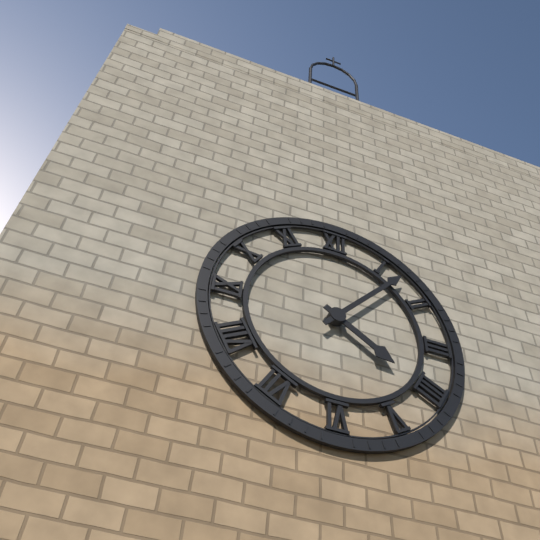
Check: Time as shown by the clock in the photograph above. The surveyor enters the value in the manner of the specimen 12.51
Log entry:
4.07
